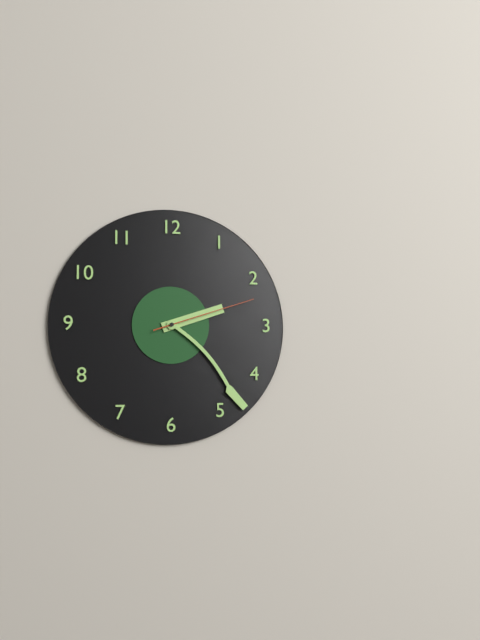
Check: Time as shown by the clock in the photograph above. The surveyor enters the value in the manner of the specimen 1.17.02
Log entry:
2.23.12
